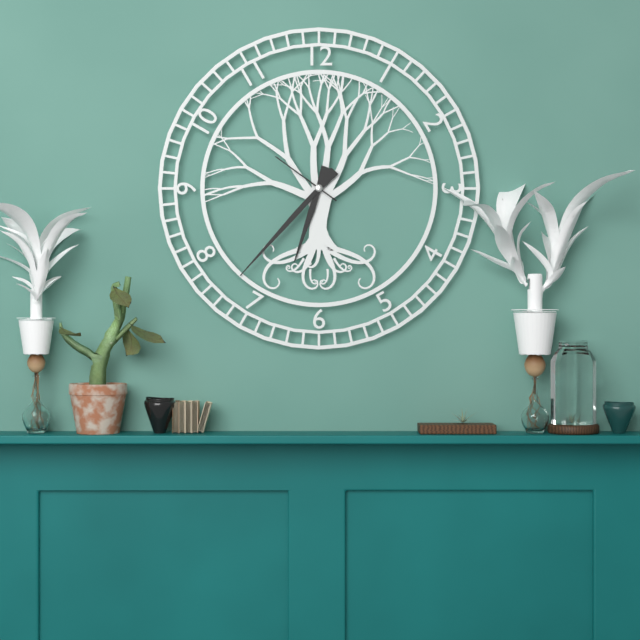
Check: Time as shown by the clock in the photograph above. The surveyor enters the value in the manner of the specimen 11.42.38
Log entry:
6.37.51
